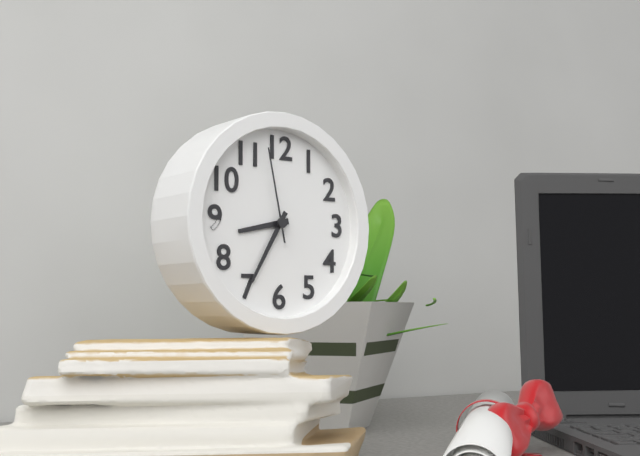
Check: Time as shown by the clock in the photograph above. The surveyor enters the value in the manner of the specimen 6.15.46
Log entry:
8.35.58
